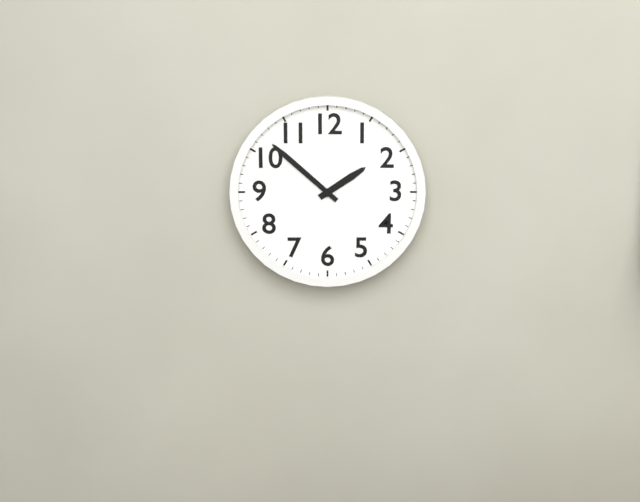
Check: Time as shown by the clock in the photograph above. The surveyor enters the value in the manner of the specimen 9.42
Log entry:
1.52
